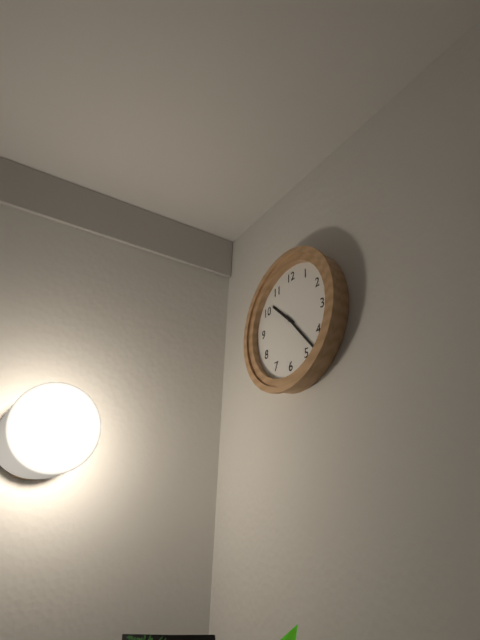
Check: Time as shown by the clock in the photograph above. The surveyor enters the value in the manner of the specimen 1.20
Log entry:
10.23
